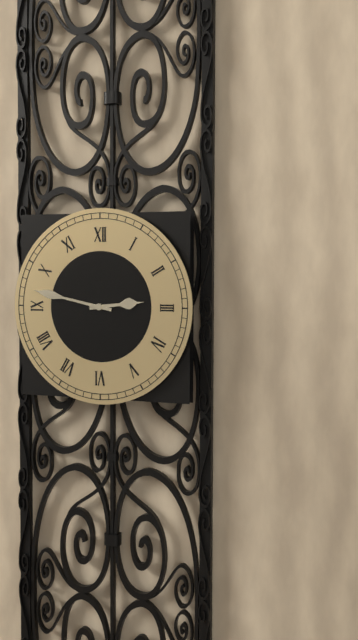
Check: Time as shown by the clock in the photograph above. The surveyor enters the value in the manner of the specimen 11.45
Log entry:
2.47
